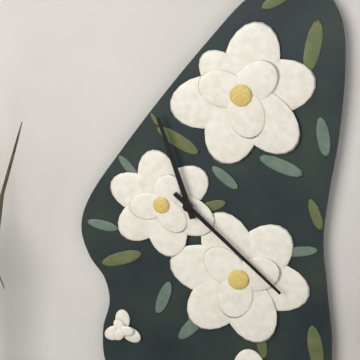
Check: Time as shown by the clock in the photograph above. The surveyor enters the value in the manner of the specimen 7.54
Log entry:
11.22
